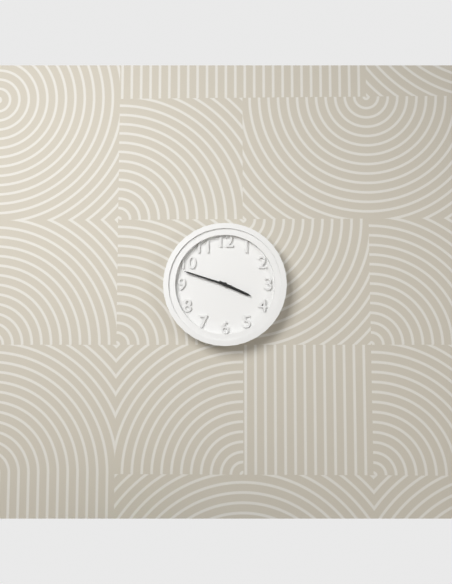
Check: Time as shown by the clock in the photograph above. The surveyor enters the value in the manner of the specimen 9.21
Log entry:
3.48
